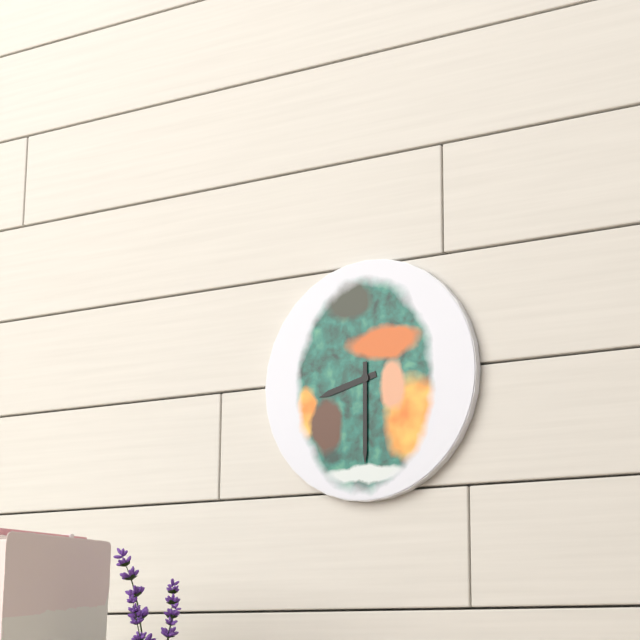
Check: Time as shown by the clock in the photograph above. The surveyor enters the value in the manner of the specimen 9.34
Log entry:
8.30
